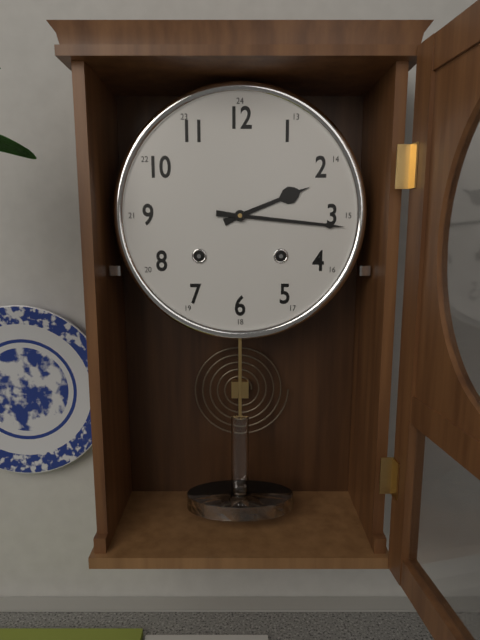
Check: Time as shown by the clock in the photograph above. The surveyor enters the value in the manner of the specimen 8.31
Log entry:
2.16
